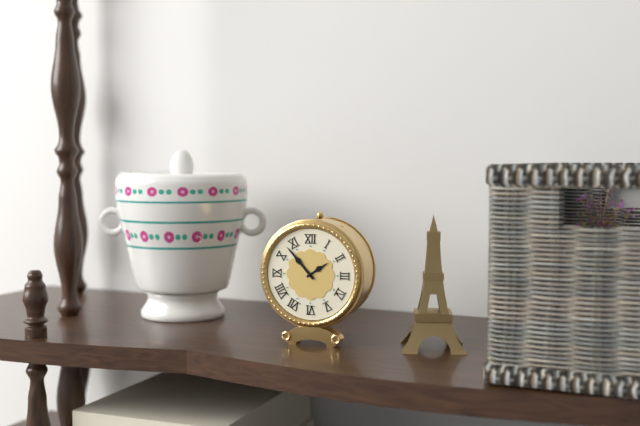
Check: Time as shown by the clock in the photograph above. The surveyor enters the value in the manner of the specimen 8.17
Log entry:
1.53
